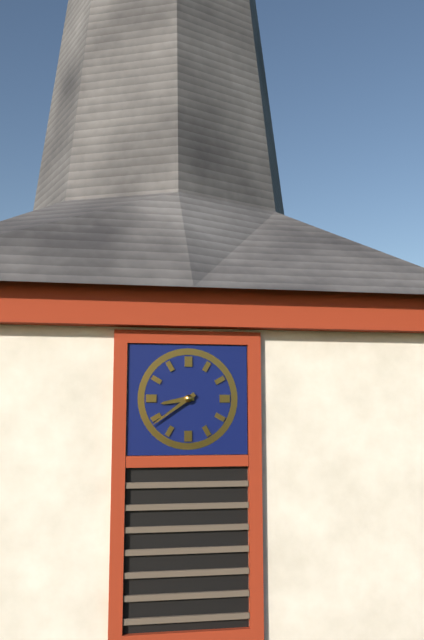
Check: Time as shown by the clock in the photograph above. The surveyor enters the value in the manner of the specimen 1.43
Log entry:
8.39
